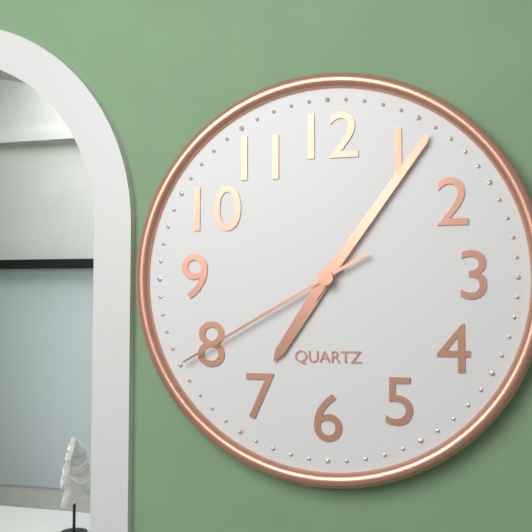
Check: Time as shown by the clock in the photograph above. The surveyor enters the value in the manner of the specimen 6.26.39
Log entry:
7.06.40
